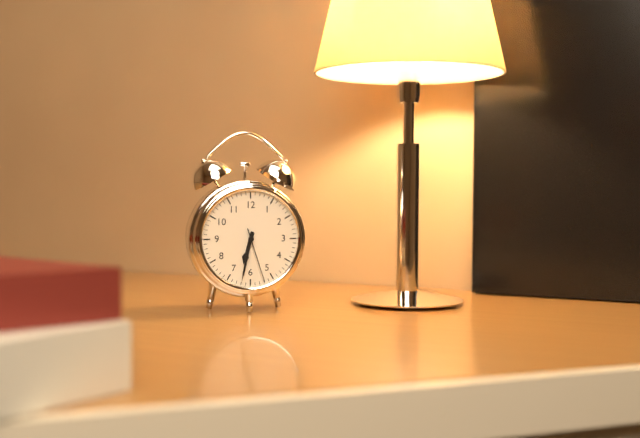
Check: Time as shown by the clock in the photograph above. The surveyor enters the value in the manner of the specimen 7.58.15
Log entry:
6.32.27
